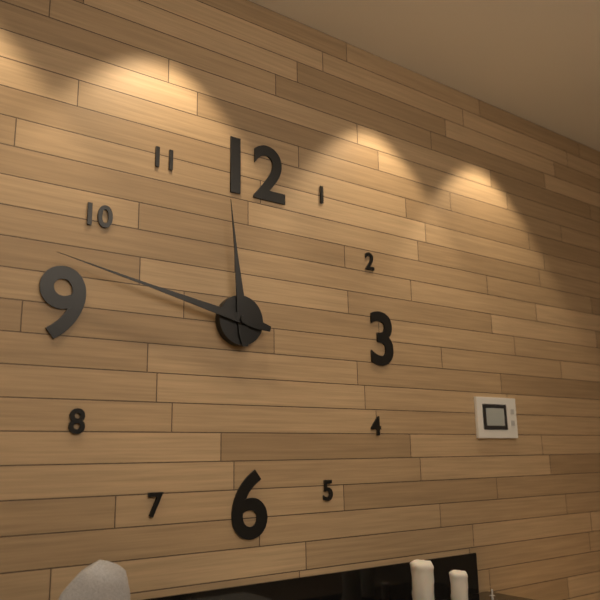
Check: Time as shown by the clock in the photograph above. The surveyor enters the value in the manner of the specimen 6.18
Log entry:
11.47
